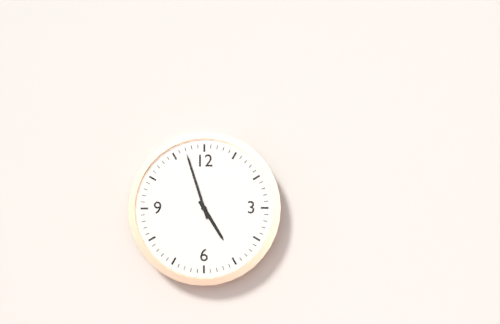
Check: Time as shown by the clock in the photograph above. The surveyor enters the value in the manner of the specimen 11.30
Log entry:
4.57
